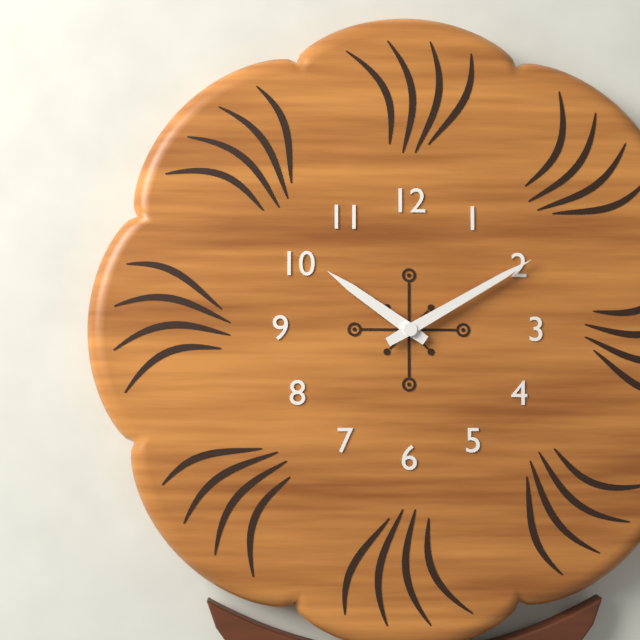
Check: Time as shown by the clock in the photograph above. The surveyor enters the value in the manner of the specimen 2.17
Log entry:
10.10
